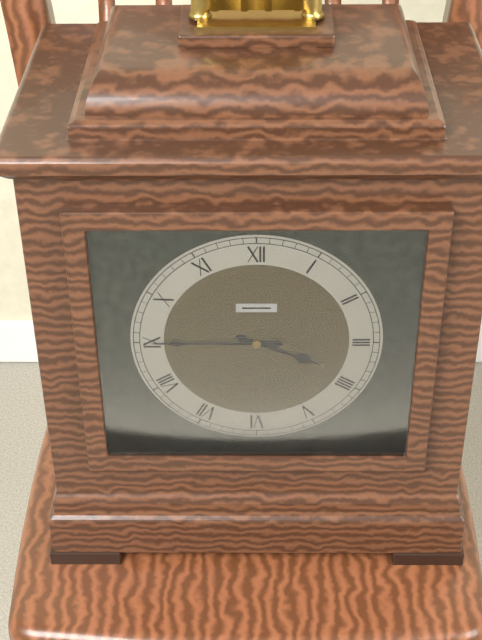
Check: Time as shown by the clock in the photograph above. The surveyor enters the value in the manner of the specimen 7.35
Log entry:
3.45
